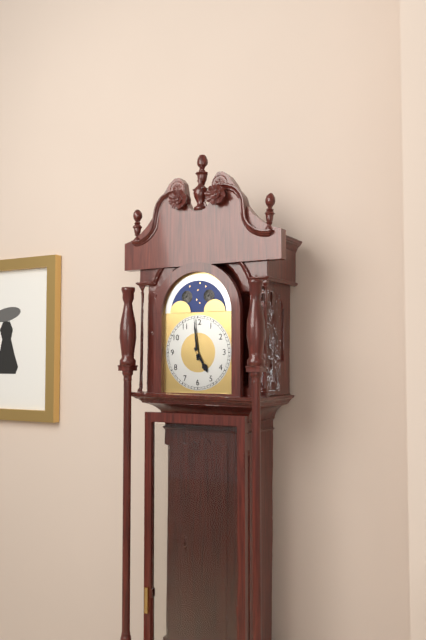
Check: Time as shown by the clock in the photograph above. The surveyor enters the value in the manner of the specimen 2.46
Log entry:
4.59
